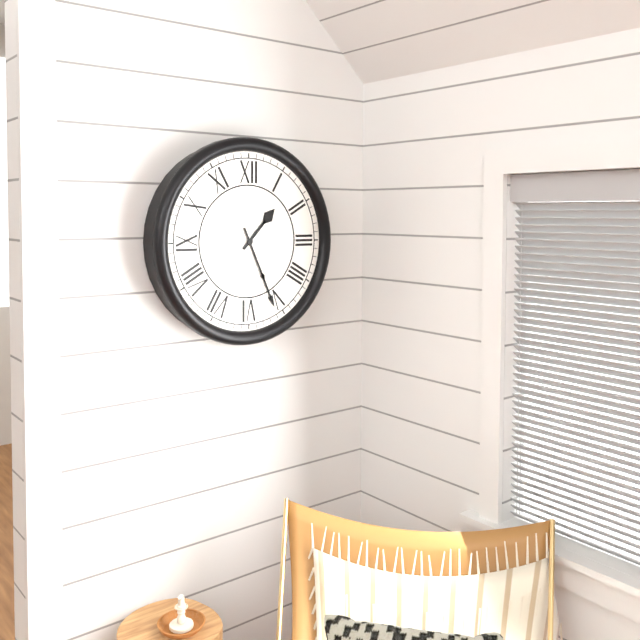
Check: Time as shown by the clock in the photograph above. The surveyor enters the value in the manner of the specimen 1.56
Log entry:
1.26
